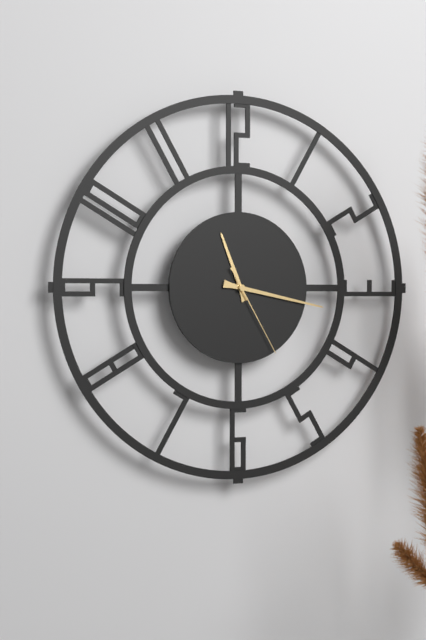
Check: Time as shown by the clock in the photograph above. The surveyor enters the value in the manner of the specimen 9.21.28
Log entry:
11.17.25
